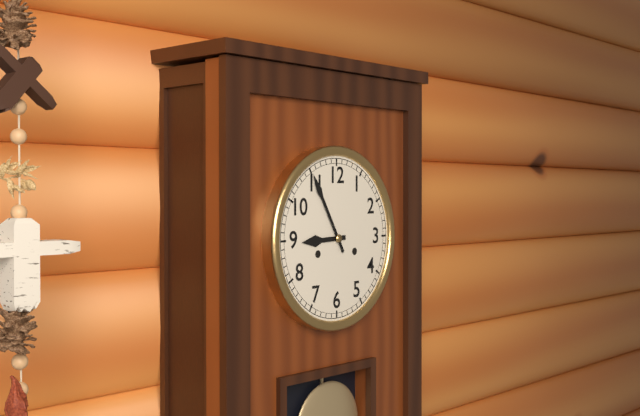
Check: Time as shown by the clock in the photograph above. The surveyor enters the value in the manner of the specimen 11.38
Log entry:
8.55
